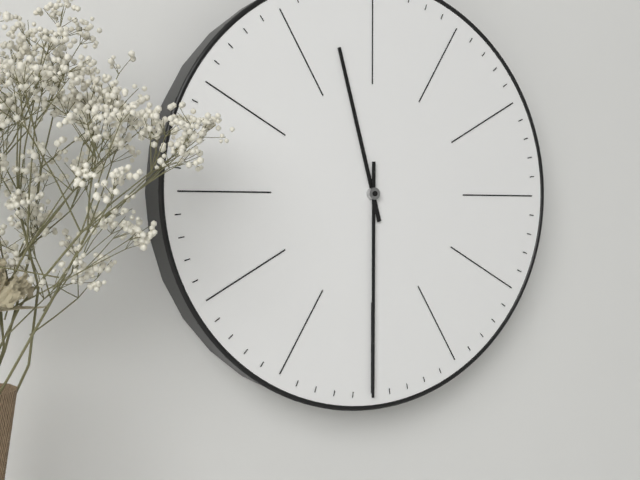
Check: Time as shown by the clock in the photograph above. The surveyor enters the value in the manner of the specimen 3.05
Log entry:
11.30
